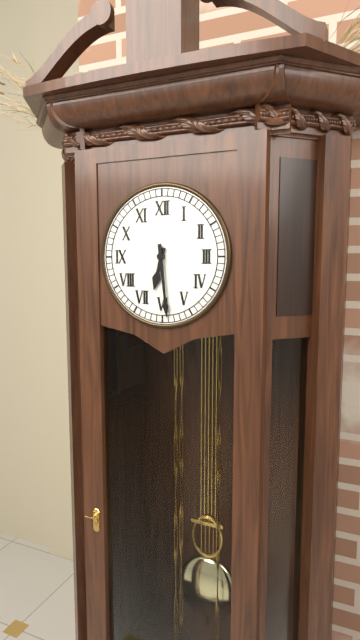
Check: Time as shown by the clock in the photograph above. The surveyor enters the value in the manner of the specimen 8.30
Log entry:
6.29
